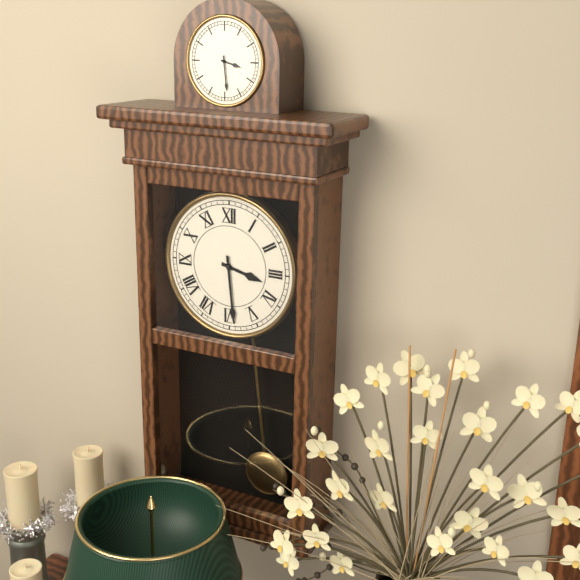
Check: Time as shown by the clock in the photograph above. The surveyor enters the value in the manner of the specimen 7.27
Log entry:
3.29
